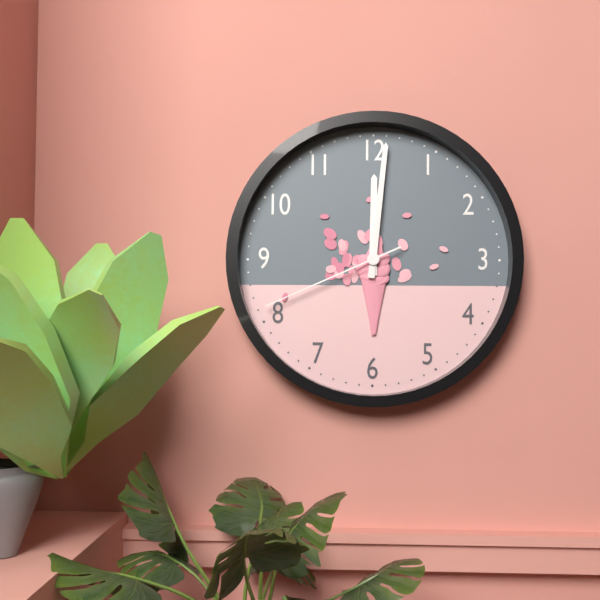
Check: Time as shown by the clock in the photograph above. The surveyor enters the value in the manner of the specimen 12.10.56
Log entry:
12.01.41
